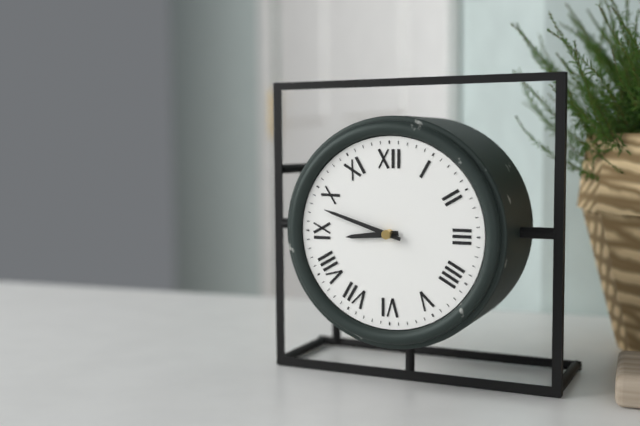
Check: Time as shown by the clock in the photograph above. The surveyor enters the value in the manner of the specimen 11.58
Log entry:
8.48
